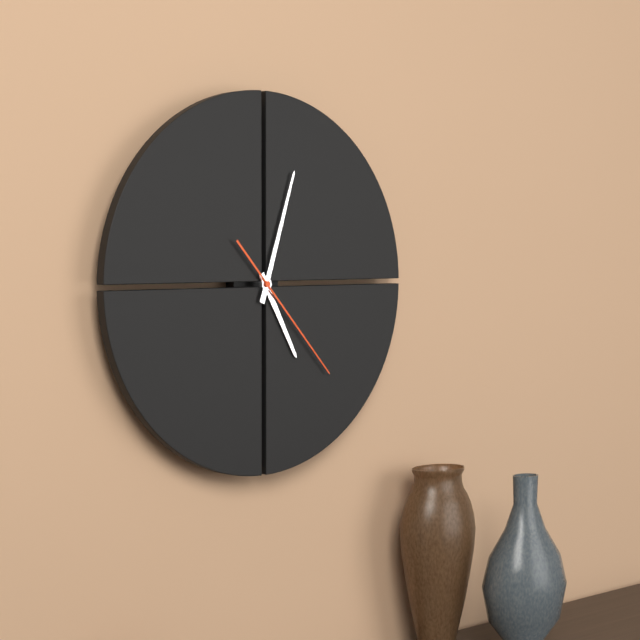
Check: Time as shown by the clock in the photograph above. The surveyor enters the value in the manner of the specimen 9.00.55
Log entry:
5.03.23
